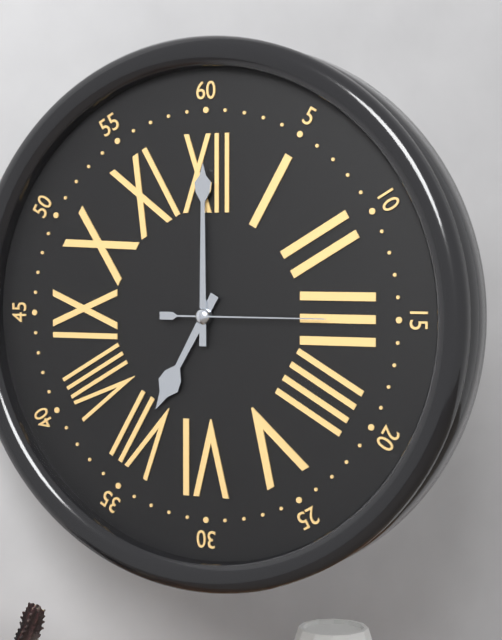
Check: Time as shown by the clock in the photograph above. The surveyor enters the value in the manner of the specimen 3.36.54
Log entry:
7.00.15
